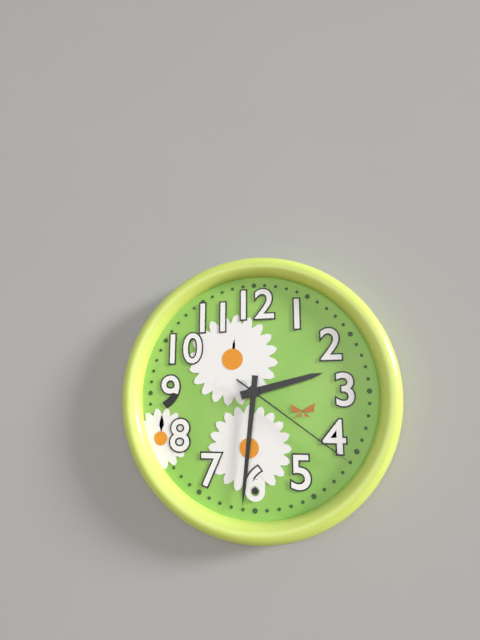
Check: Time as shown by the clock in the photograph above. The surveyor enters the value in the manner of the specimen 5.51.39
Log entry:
2.31.21
